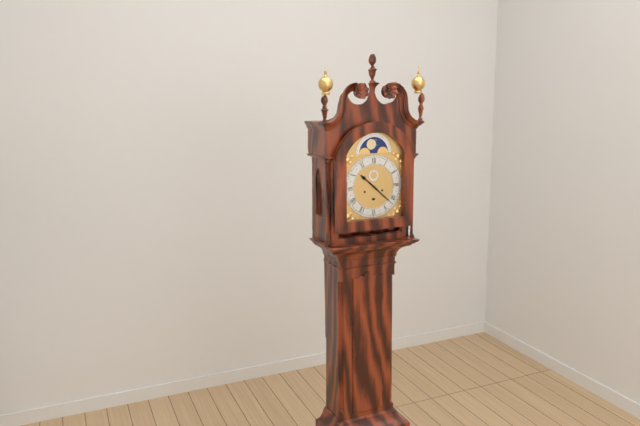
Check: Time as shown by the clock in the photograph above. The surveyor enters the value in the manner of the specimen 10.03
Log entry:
10.22
